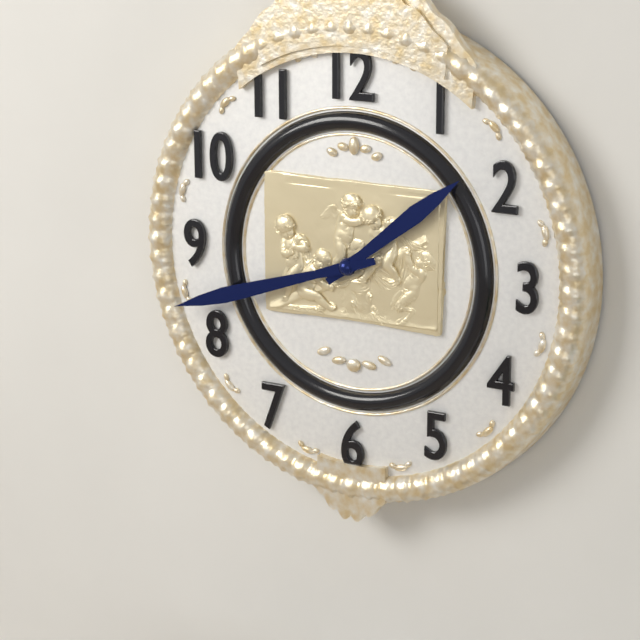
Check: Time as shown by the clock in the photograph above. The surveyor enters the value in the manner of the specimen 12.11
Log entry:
1.42
